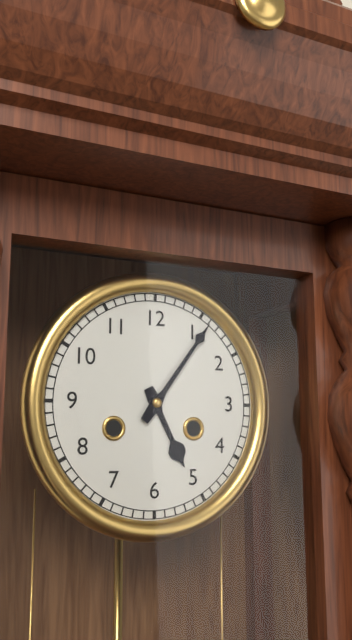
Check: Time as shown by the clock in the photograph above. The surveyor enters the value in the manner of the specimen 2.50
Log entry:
5.06
